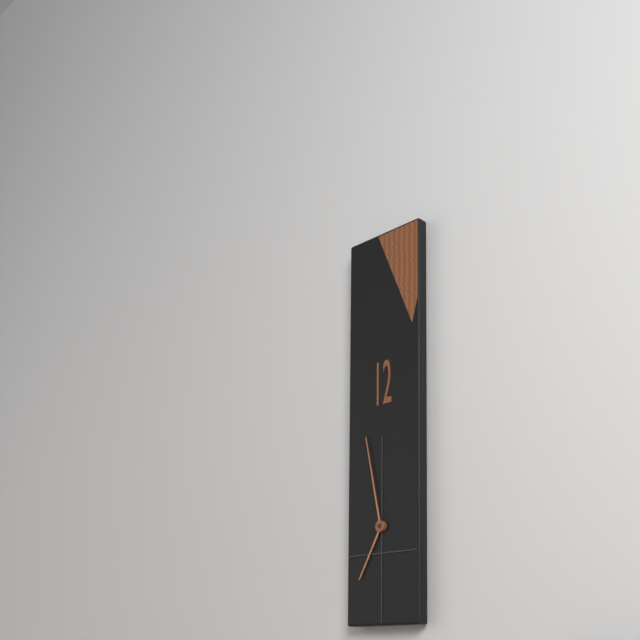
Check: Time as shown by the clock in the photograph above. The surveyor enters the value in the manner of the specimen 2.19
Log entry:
6.58
